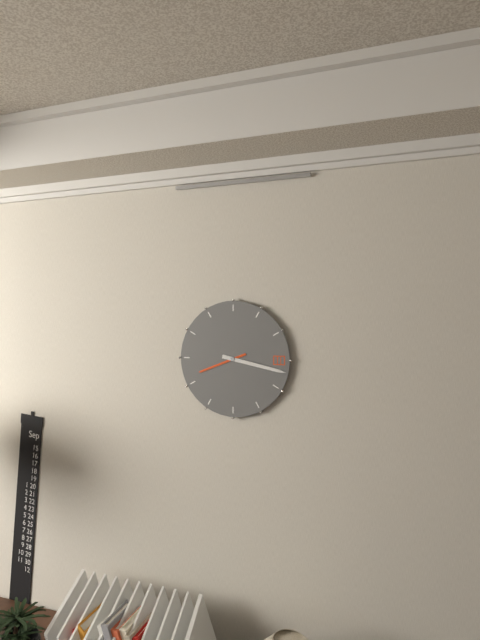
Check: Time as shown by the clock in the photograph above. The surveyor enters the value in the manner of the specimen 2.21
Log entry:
8.17
